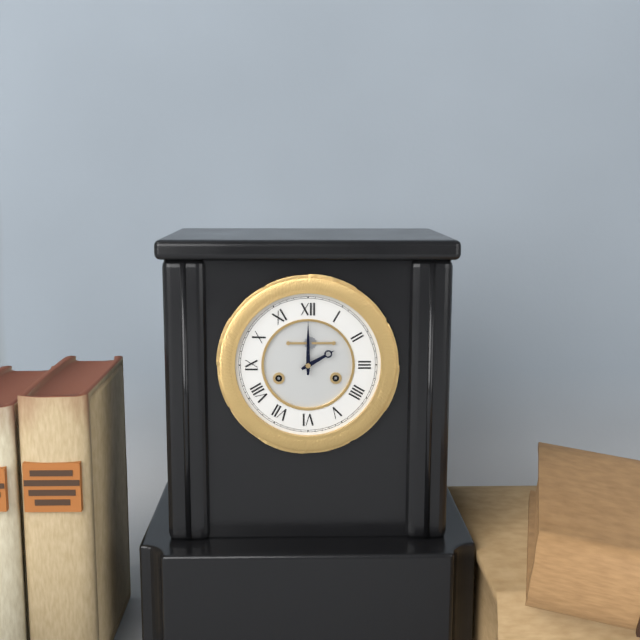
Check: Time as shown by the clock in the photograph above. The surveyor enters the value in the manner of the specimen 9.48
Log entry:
2.00
